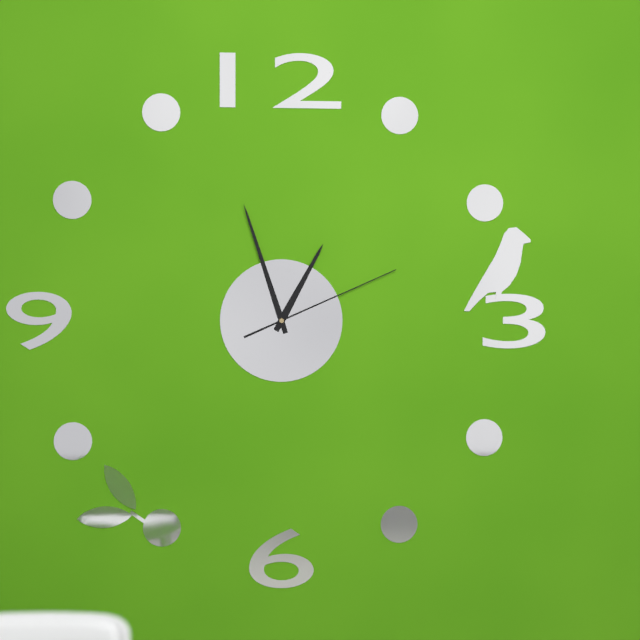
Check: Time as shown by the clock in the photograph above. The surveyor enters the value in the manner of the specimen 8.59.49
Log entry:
12.57.11
